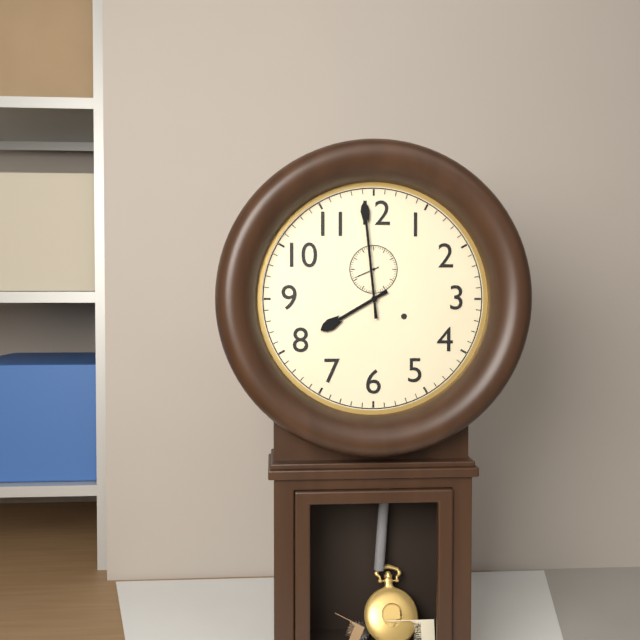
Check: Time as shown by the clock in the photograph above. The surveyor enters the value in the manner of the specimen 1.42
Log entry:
7.59
